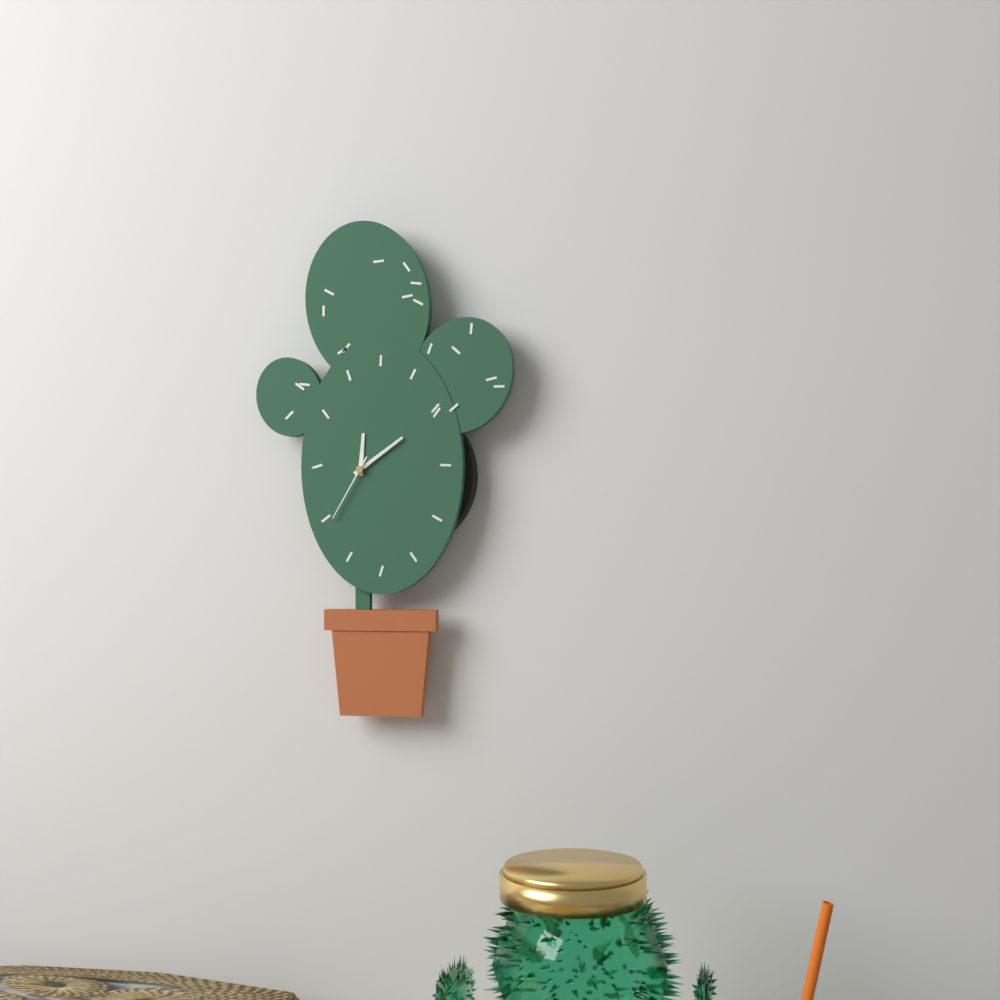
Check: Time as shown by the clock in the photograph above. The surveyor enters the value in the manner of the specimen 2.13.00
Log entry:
12.09.35
